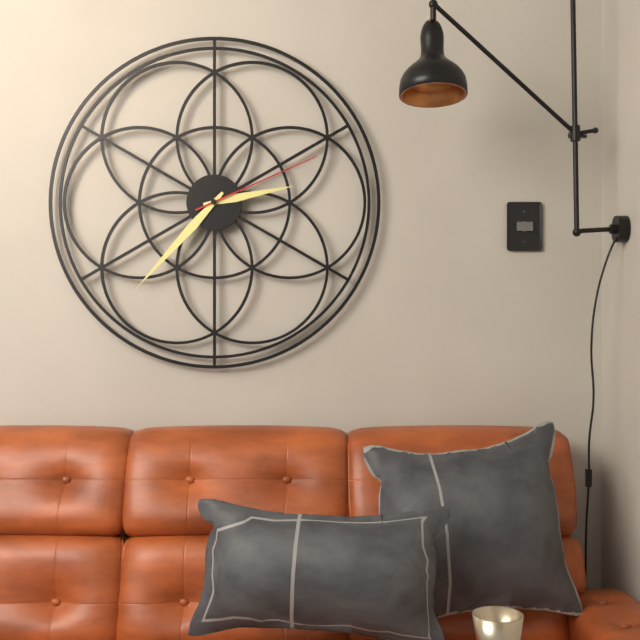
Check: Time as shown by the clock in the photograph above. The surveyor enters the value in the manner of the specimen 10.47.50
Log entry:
2.37.11
